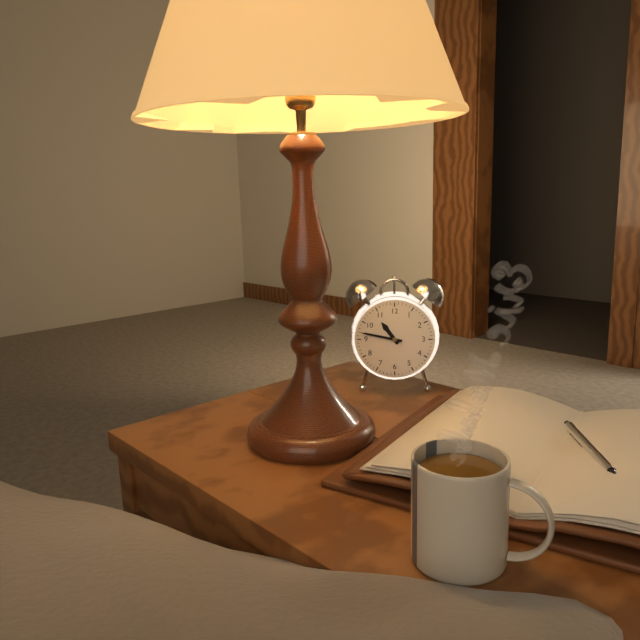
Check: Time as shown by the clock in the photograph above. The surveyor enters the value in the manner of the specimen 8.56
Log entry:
10.47
